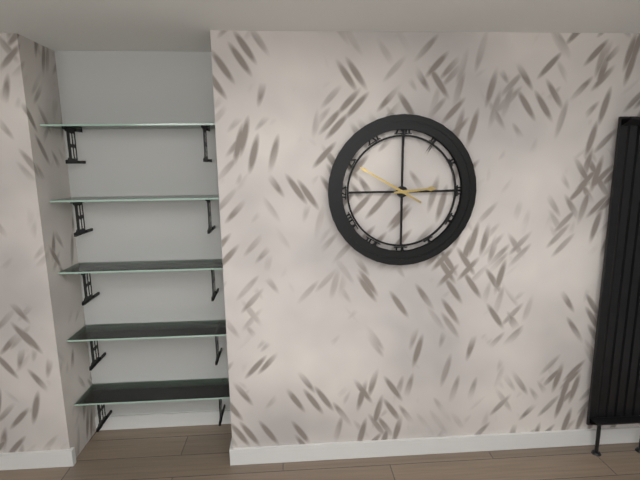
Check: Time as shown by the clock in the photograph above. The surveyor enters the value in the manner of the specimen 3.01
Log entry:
2.50
